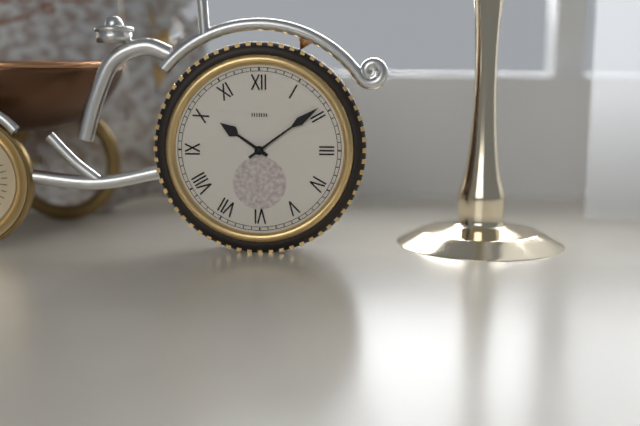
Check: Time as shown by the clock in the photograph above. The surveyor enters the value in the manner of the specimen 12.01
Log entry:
10.09
